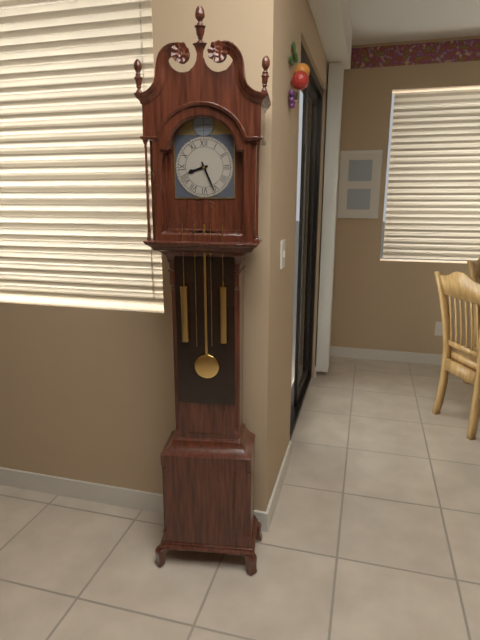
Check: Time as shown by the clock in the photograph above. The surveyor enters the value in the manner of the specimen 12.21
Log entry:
8.26
